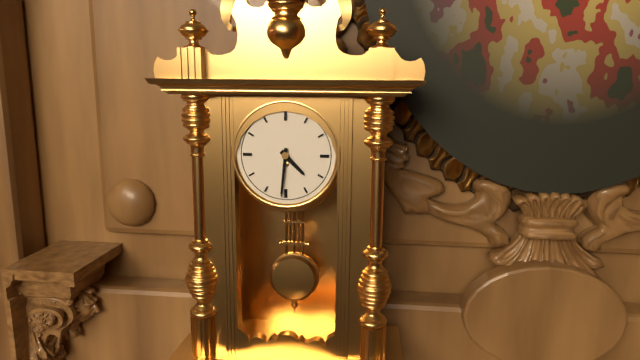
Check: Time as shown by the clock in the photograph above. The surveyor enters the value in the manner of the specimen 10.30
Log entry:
4.31
